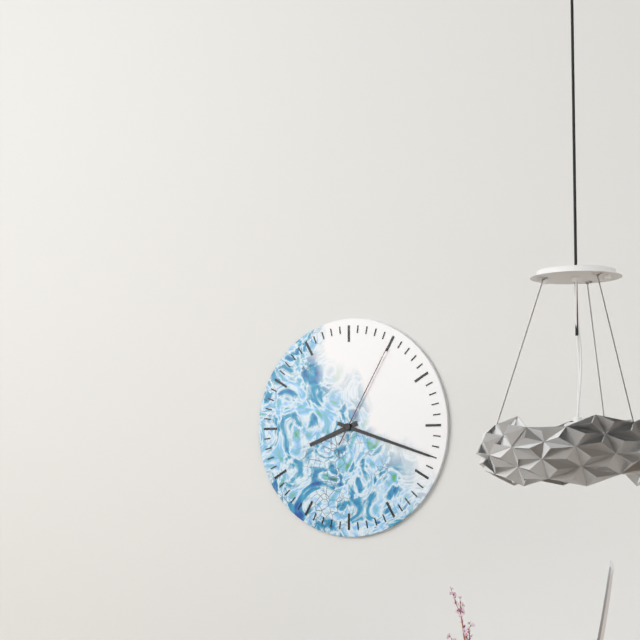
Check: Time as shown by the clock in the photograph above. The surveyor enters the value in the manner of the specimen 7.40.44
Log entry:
8.18.05
